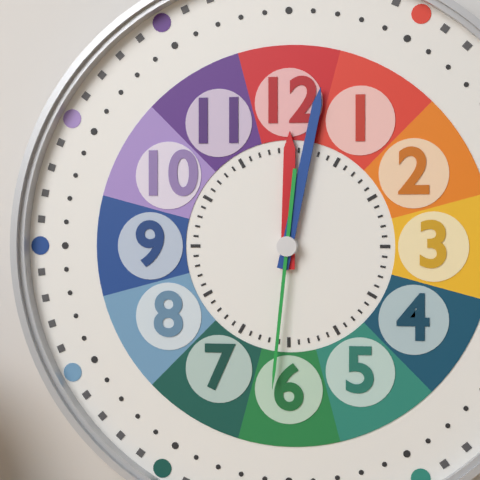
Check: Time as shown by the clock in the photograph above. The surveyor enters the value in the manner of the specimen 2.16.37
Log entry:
12.02.31
